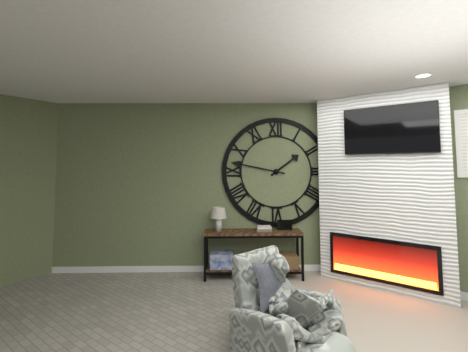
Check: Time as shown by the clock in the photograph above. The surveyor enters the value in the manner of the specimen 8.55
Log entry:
1.47
